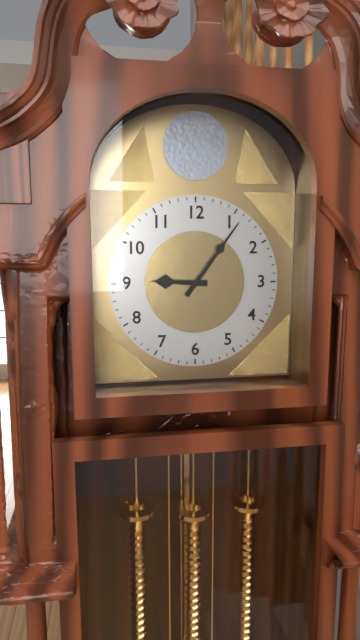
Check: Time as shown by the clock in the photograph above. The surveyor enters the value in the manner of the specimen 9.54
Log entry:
9.06
